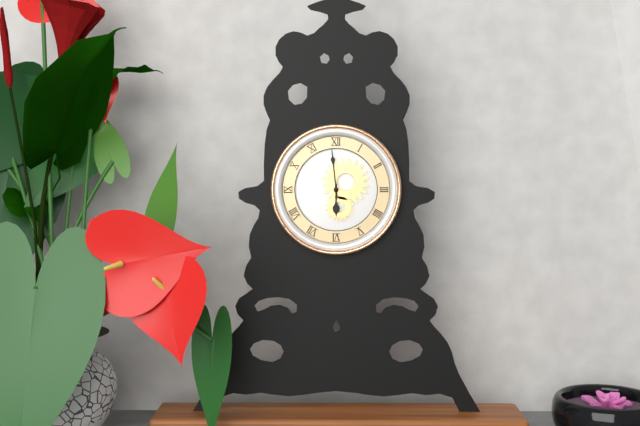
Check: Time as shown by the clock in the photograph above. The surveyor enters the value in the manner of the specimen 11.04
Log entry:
5.59
